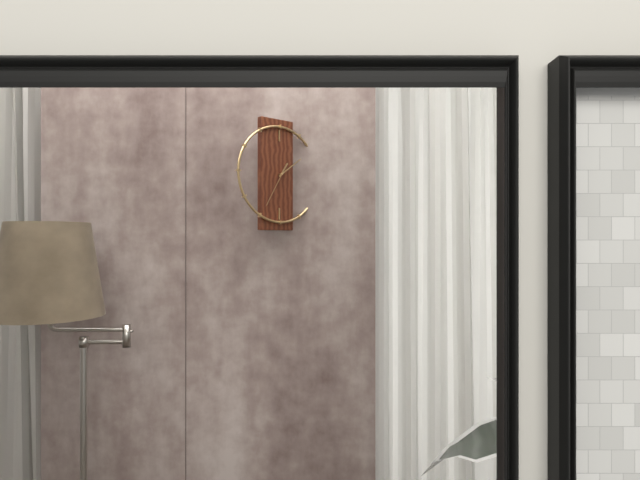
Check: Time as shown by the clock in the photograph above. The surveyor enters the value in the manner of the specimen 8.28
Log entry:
1.09
